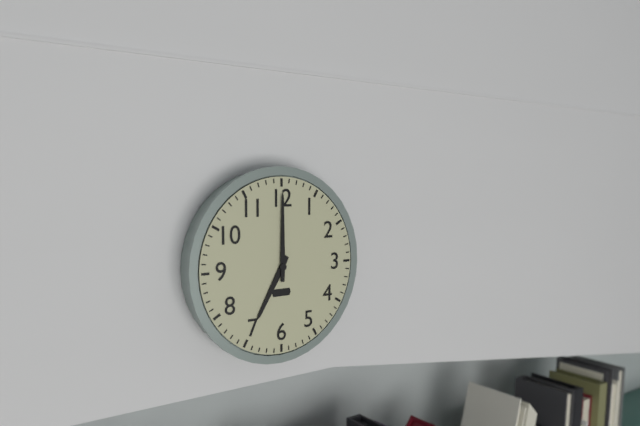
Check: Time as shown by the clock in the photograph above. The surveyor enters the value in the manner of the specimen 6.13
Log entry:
7.00
